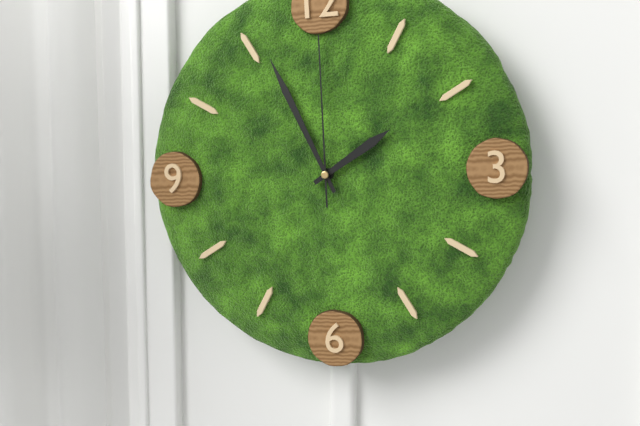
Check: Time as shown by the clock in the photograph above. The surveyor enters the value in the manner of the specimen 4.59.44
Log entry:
1.56.00
